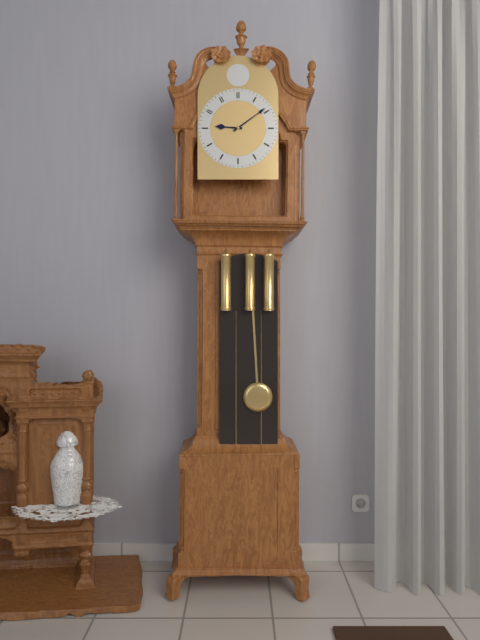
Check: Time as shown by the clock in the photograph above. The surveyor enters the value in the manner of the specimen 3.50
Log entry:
9.09
